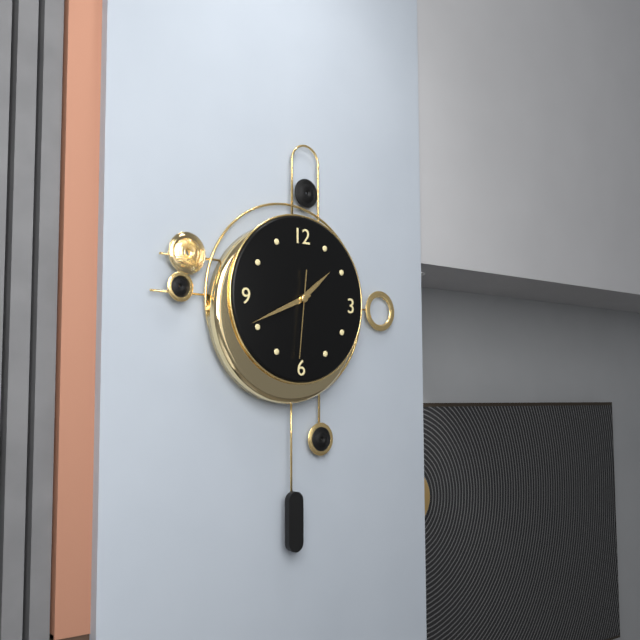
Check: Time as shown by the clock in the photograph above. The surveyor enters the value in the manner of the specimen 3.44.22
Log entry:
1.41.31
